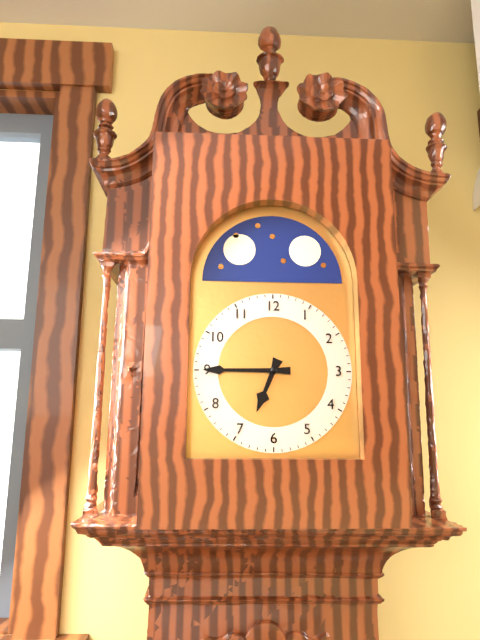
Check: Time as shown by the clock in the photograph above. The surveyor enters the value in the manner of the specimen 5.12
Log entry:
6.45
